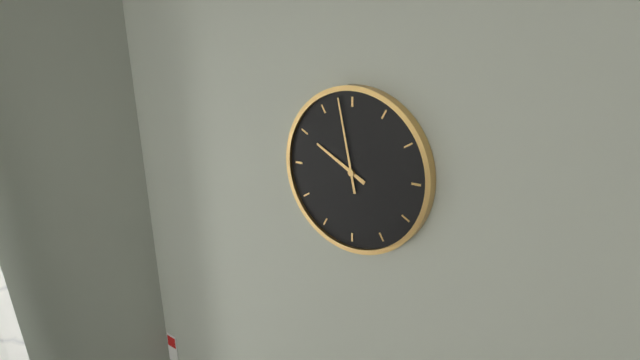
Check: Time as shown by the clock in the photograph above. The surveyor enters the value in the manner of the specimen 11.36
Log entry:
9.58
